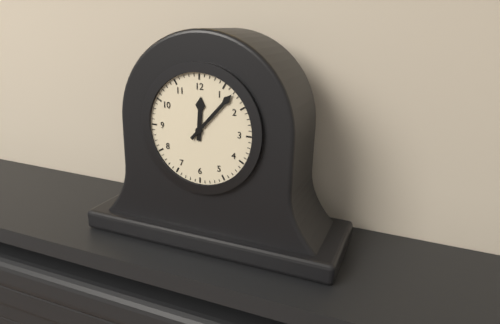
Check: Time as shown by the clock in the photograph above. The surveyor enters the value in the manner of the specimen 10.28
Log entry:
12.07
